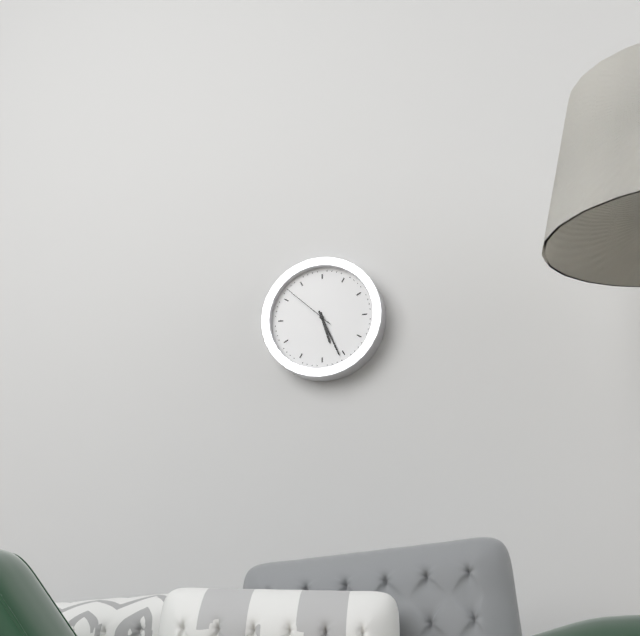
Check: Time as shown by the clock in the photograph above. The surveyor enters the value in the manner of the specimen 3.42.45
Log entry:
5.26.52
